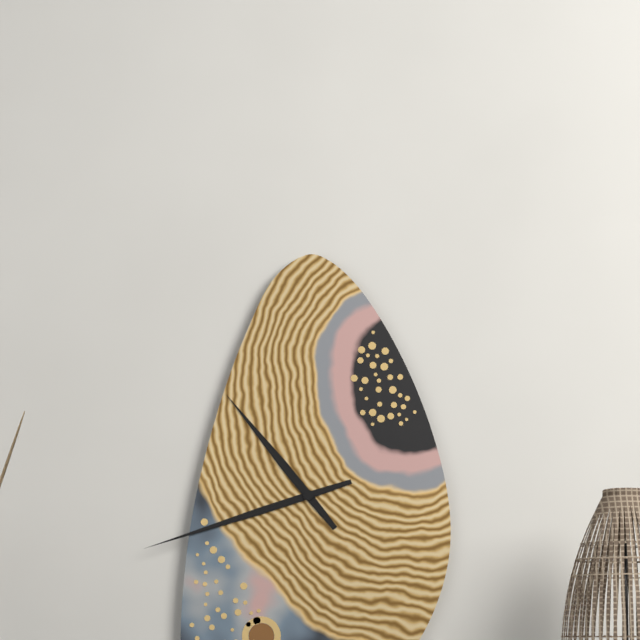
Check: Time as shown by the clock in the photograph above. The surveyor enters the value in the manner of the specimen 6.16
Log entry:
10.42
